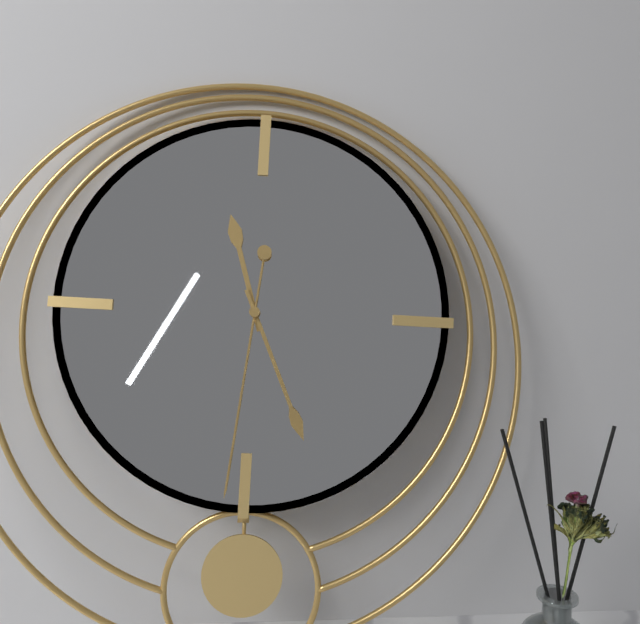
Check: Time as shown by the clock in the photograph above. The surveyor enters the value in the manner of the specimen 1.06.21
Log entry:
11.26.31
